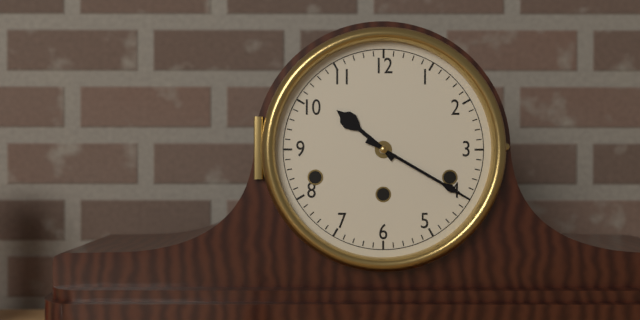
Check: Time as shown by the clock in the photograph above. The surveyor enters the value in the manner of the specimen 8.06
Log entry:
10.20
